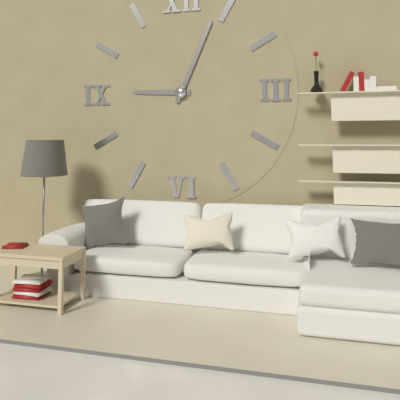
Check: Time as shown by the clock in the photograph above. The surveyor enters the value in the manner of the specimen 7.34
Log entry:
9.04
